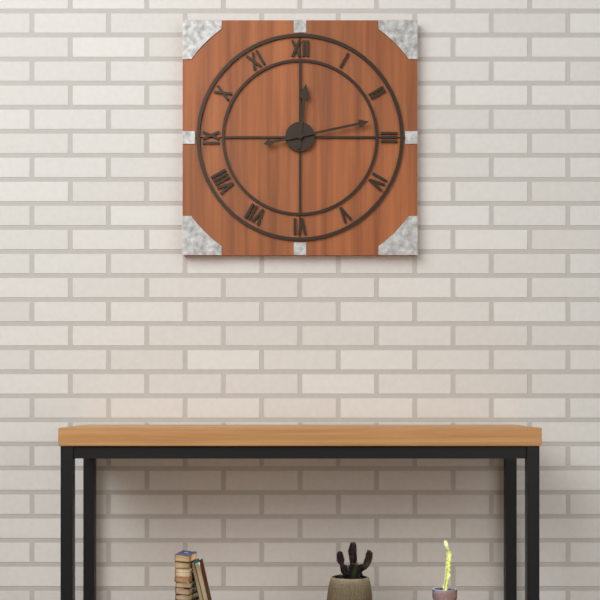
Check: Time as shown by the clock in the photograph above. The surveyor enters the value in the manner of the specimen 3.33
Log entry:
12.13
